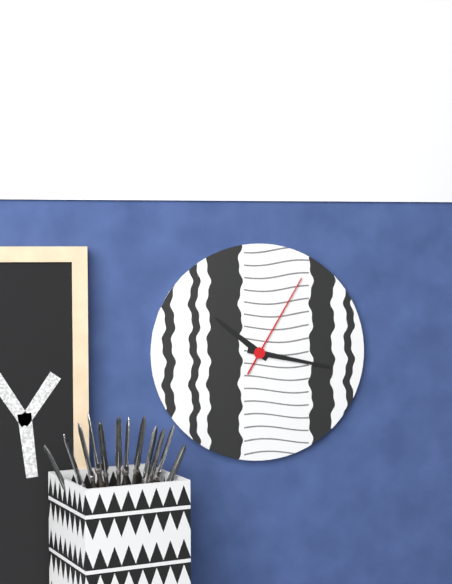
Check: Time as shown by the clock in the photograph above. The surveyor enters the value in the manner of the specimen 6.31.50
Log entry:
10.17.05
